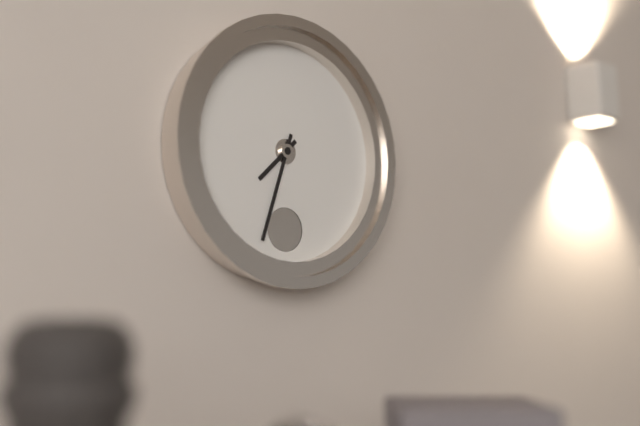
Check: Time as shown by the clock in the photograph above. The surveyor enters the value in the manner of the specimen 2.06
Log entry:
7.33
